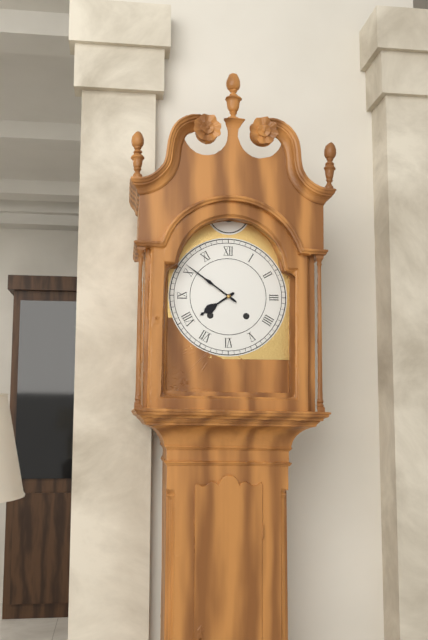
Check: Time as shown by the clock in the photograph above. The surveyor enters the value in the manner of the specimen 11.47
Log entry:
7.51
